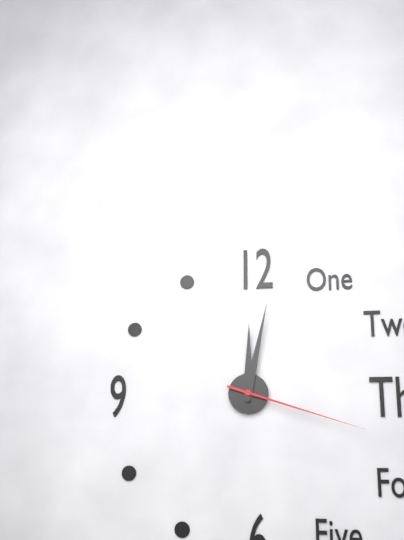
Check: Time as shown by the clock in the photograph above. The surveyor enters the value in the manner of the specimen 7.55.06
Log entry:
12.02.18
